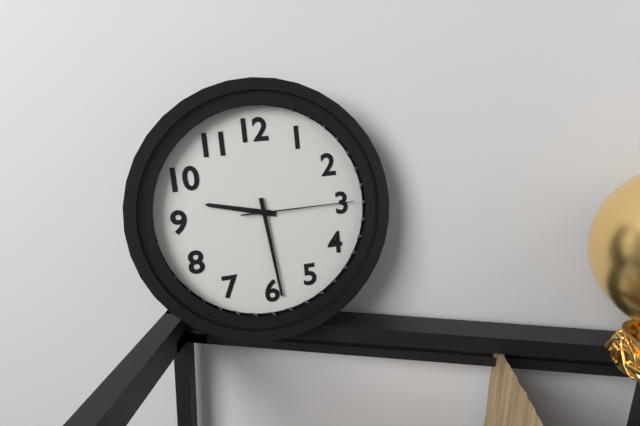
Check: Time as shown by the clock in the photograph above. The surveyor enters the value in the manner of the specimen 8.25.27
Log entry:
9.29.15
